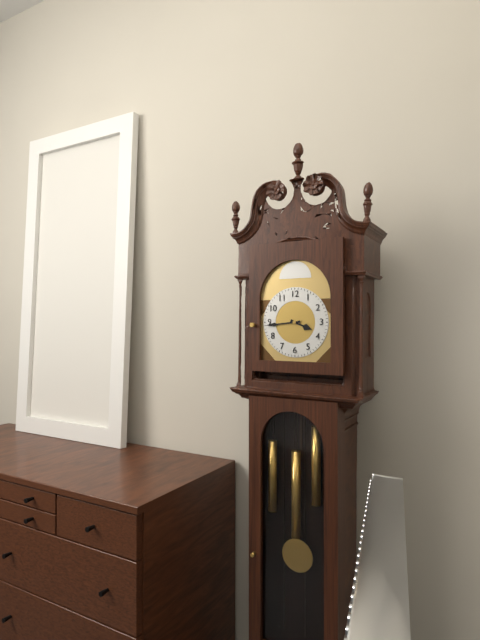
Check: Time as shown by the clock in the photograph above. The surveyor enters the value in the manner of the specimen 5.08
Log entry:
3.44
